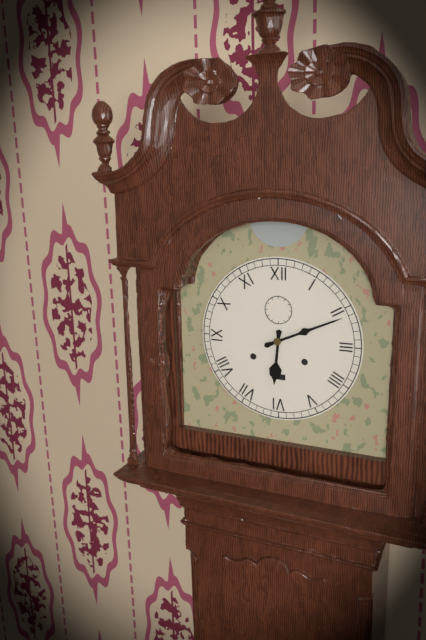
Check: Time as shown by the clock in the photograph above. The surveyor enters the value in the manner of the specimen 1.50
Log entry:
6.11
